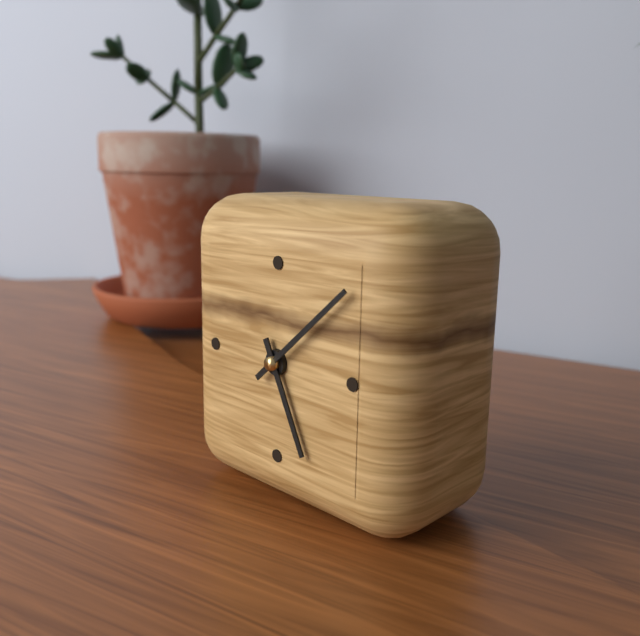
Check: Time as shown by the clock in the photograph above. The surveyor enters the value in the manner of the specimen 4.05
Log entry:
5.08
